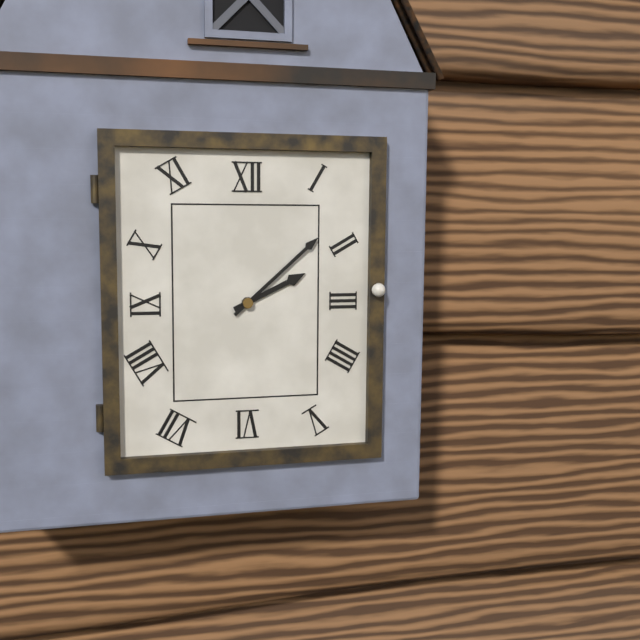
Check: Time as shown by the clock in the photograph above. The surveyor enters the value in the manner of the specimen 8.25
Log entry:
2.08
